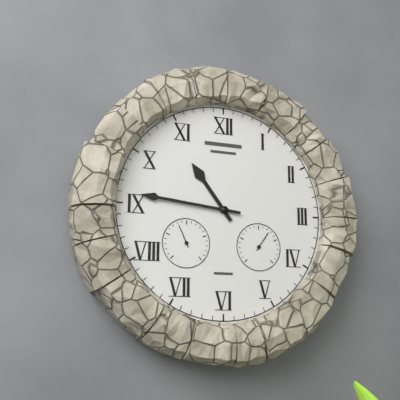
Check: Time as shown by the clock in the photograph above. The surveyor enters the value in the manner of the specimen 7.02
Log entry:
10.46
